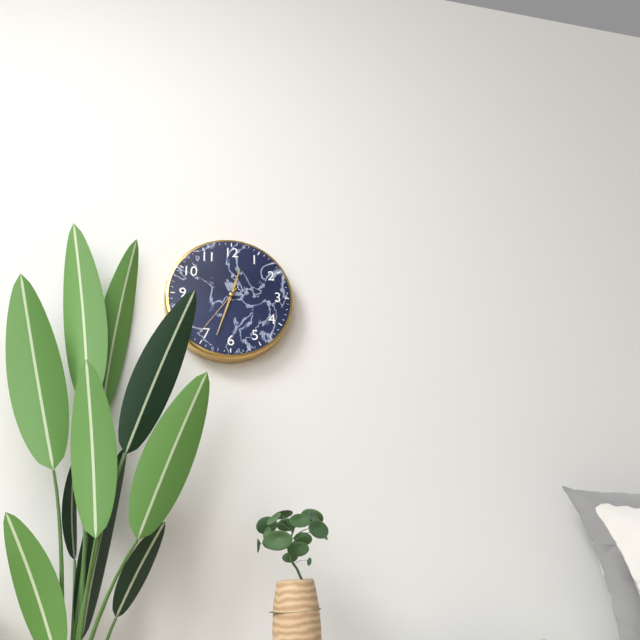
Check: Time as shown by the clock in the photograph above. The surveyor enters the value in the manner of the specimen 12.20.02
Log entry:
12.33.36
